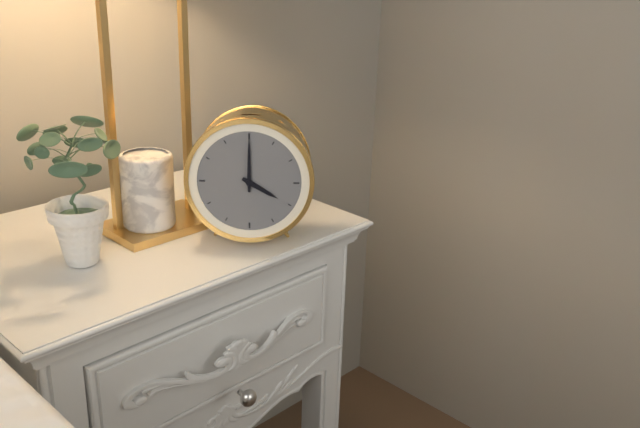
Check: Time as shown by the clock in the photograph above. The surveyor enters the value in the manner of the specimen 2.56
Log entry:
4.00
